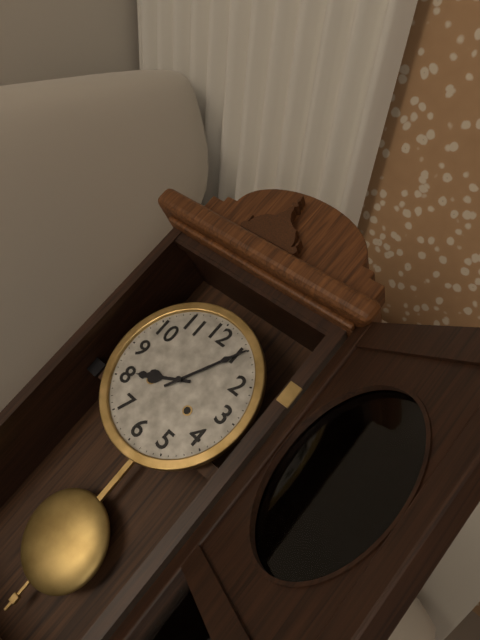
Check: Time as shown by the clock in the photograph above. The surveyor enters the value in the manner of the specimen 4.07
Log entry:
8.05
